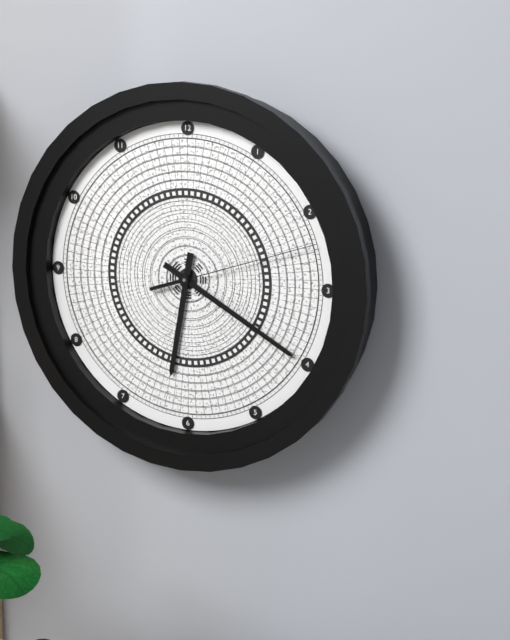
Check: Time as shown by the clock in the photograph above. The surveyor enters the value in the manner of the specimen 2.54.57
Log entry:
6.20.12
